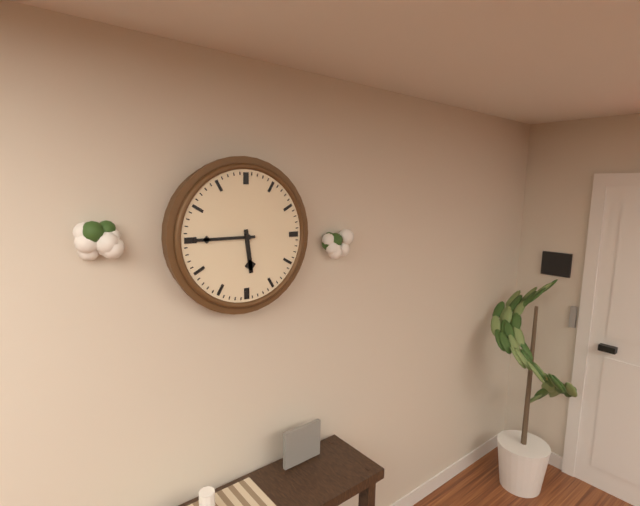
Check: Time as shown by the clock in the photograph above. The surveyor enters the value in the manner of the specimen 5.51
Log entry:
5.45
